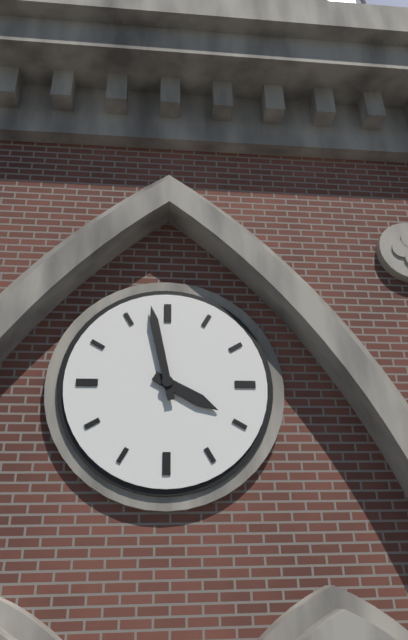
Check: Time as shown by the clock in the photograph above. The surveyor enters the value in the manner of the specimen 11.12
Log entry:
3.58
